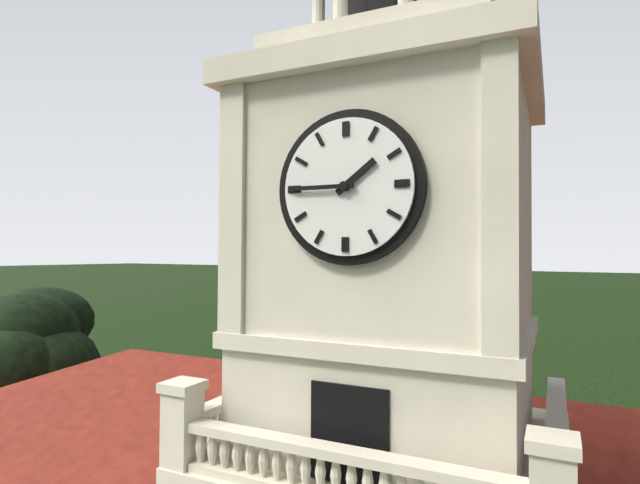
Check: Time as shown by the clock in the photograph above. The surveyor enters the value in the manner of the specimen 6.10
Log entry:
1.45
